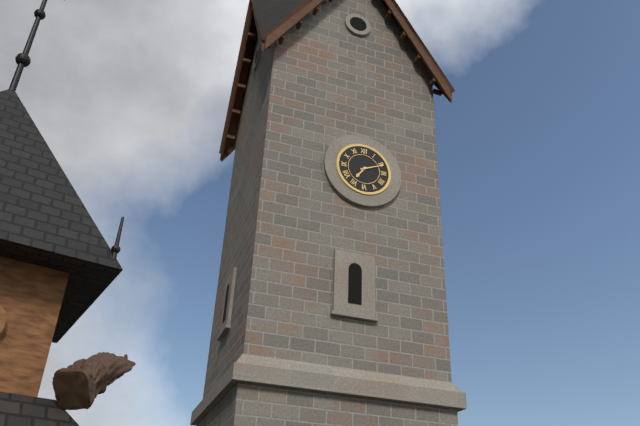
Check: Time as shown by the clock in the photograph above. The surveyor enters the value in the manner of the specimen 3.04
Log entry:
7.11
